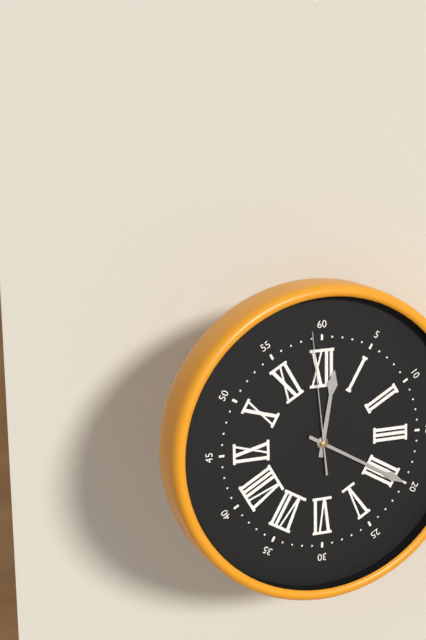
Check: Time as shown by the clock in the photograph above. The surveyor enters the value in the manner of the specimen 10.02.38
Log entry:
12.20.59
